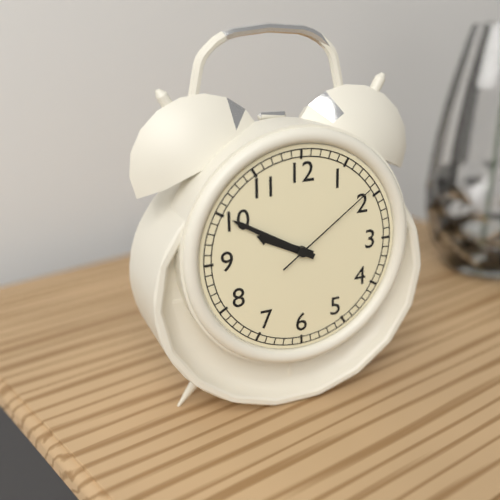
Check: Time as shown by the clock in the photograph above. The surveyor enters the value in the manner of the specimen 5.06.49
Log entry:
9.50.09
